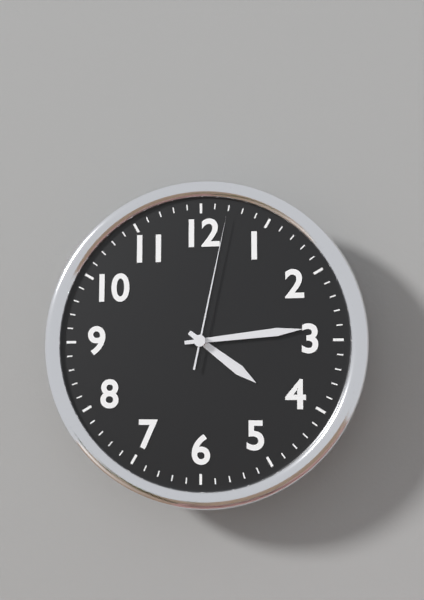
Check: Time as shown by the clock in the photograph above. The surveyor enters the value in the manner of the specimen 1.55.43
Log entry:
4.14.02
